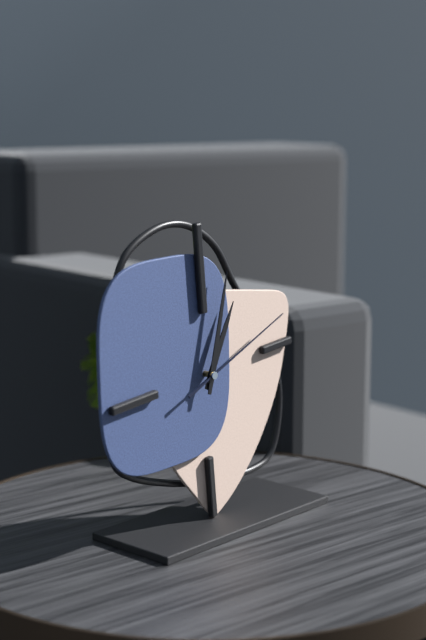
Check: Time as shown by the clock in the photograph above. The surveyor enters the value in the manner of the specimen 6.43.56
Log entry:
1.03.12
